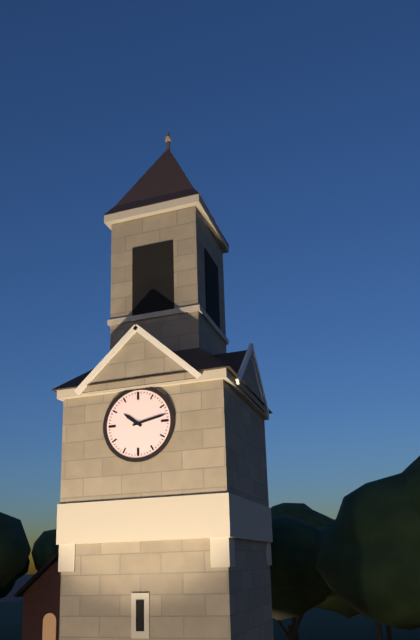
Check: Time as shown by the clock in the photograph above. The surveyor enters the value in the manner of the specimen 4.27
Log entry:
10.13
